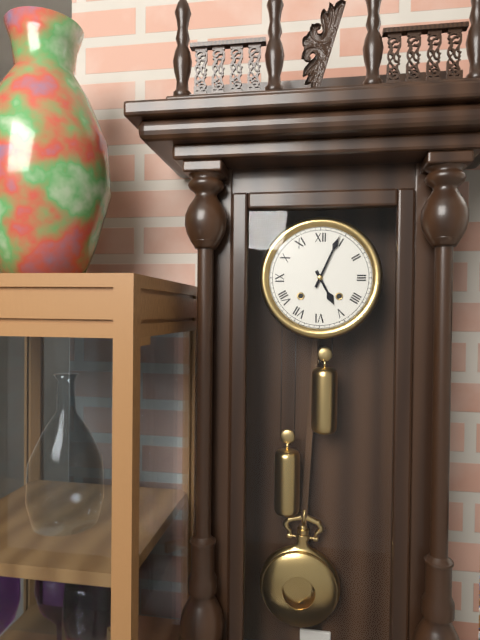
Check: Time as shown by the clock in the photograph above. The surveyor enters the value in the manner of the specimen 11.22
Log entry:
5.04
